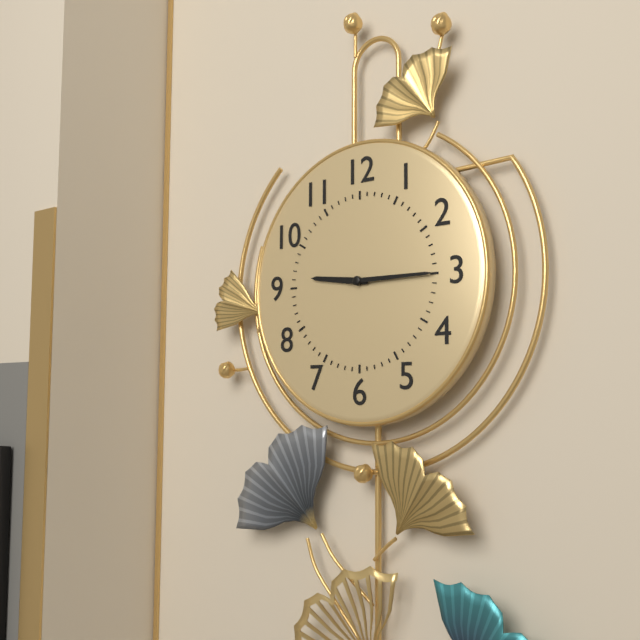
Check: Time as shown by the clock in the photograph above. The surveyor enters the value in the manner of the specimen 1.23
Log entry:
9.15
